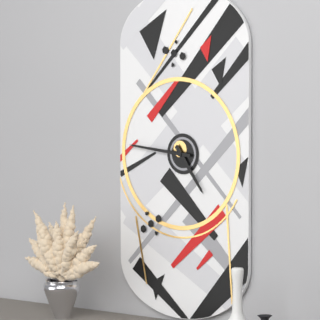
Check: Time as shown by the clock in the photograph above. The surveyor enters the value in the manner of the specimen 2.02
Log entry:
4.46
